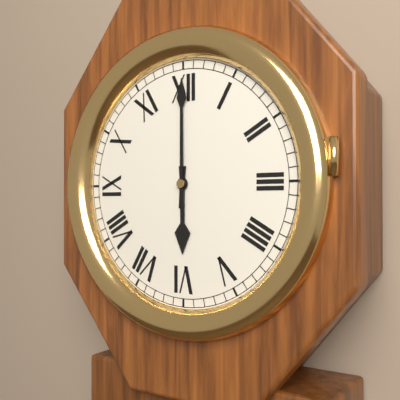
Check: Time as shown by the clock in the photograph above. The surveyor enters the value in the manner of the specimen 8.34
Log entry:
6.00
